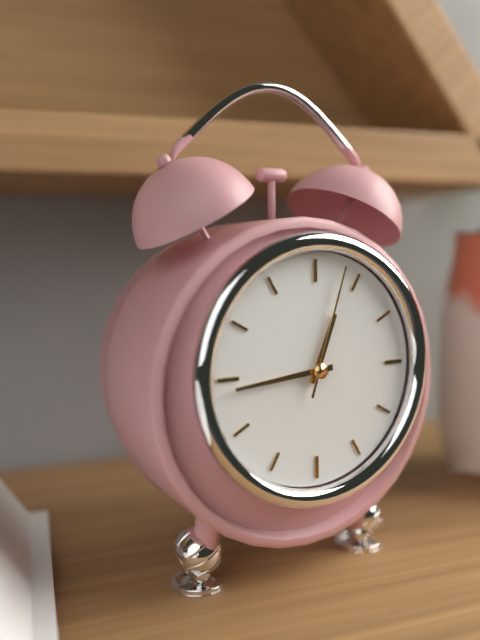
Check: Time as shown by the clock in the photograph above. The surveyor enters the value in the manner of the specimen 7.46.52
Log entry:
12.44.03
